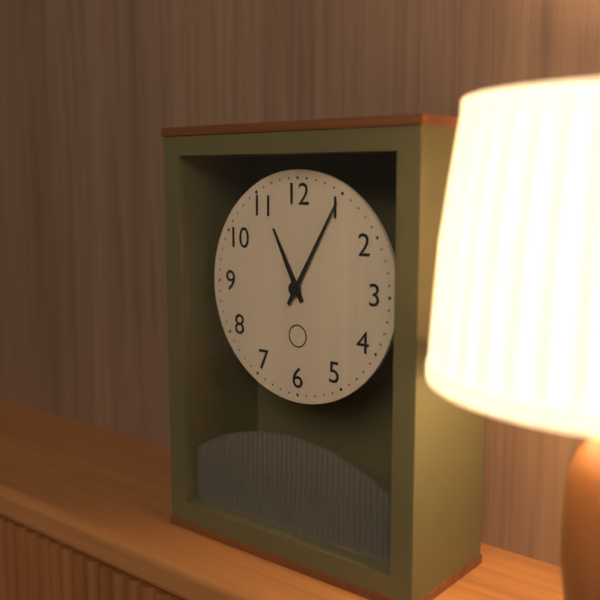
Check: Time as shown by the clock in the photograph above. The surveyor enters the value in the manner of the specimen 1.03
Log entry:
11.05
